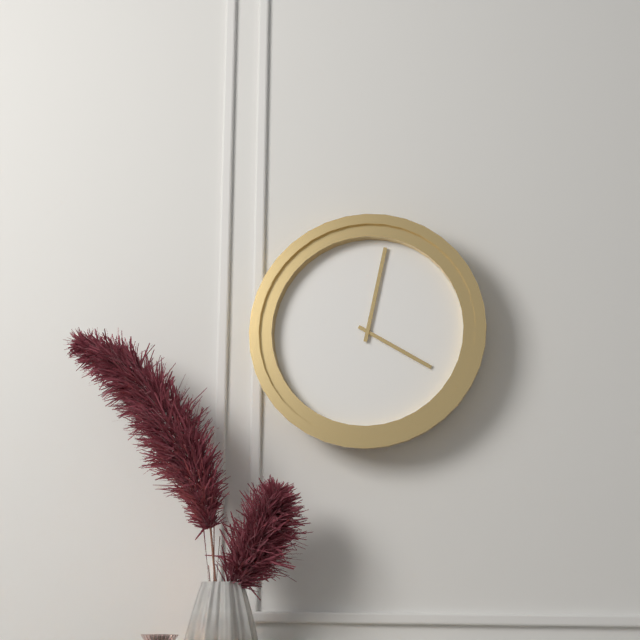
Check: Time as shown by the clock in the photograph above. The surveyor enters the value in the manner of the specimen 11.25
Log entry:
4.02
